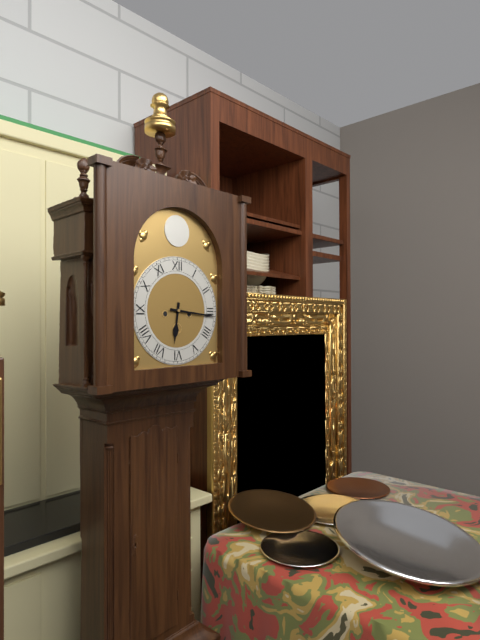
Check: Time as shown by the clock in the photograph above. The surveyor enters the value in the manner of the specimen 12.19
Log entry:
6.16
